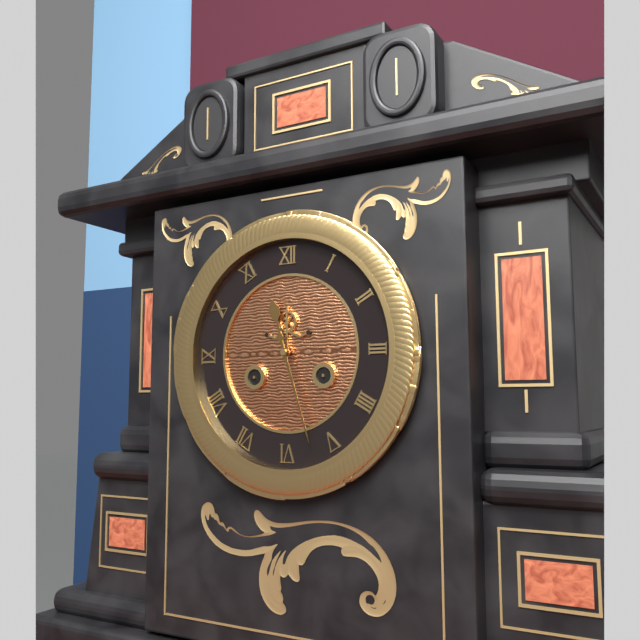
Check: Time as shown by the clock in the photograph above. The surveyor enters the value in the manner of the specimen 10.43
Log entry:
11.27
